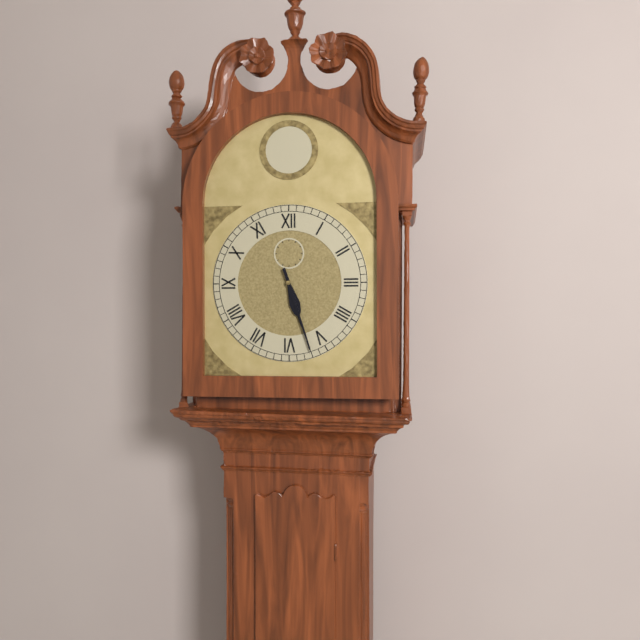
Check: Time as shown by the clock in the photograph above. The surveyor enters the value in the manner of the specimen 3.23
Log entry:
5.27
